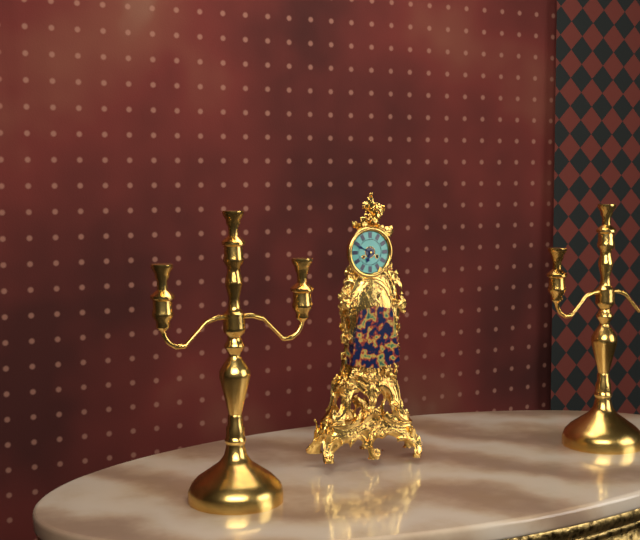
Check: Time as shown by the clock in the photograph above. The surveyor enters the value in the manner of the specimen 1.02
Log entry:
6.49
